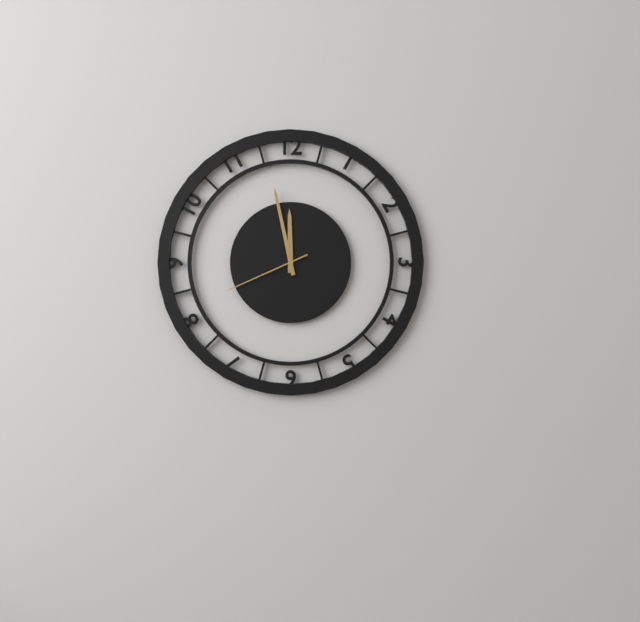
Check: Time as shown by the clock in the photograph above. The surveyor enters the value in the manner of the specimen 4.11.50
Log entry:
11.58.41
